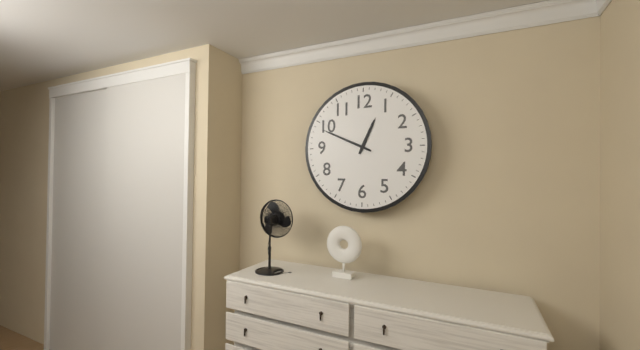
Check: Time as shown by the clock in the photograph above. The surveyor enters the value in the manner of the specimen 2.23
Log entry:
12.49
